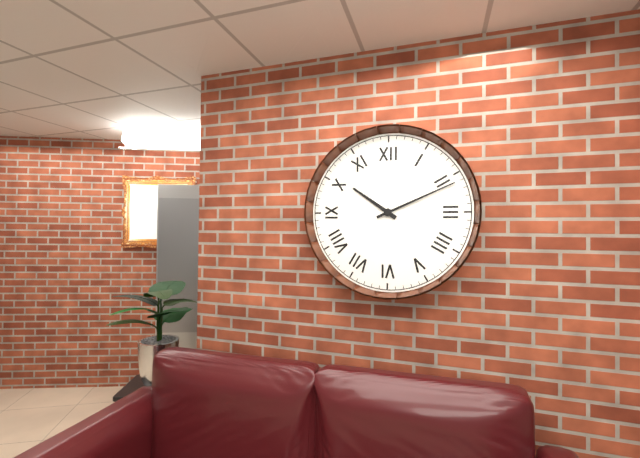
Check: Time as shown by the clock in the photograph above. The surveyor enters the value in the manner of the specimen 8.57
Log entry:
10.11
